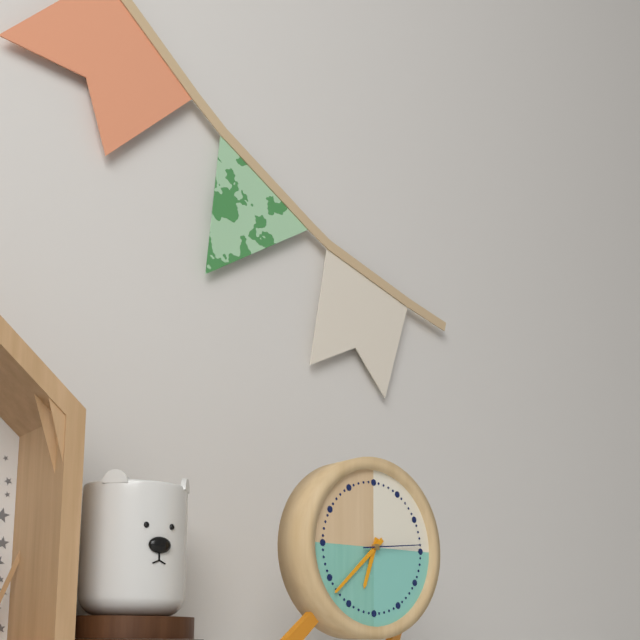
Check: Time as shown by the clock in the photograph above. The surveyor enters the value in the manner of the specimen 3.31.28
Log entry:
6.38.14
